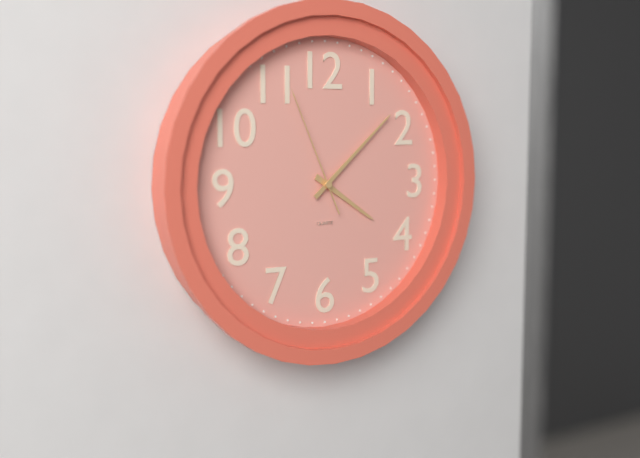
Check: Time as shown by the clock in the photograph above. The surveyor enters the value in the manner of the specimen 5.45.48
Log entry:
4.08.56
